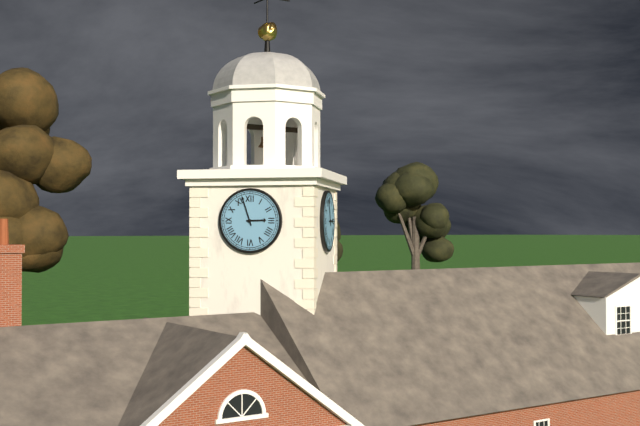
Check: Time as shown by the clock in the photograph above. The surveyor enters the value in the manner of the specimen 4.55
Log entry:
2.57
